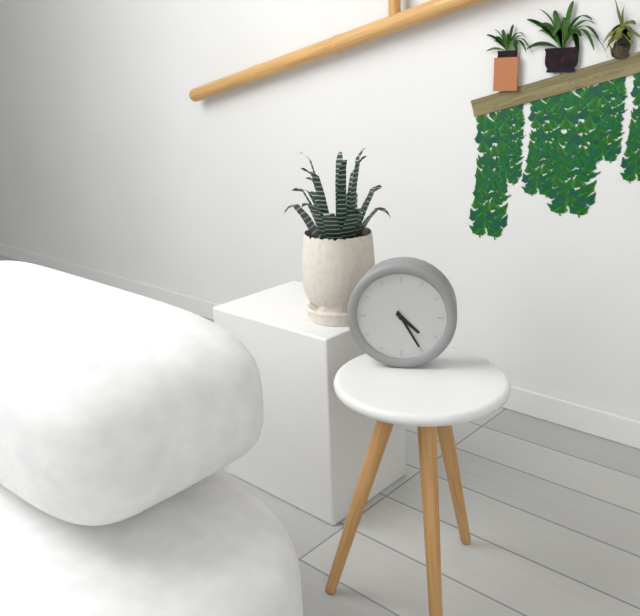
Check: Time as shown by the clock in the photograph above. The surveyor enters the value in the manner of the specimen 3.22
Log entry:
4.25
